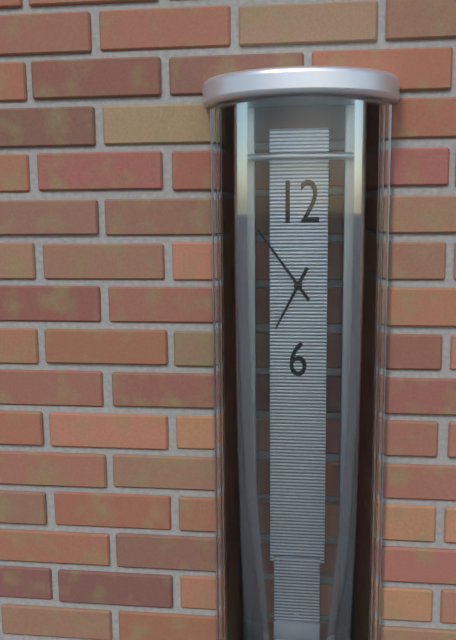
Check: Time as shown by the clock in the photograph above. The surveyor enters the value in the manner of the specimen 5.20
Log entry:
6.54
